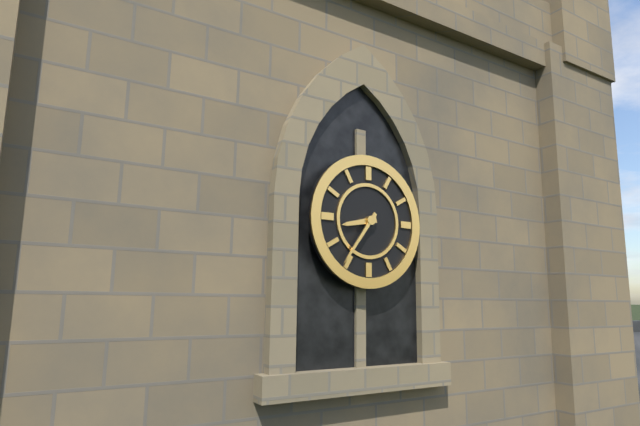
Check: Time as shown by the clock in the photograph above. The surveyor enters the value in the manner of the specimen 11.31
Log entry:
8.36
